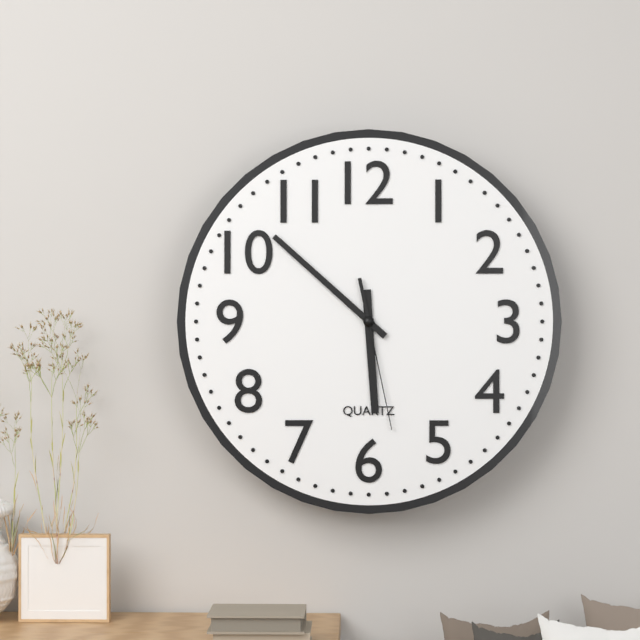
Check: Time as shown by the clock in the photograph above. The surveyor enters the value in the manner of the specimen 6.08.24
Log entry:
5.52.28
